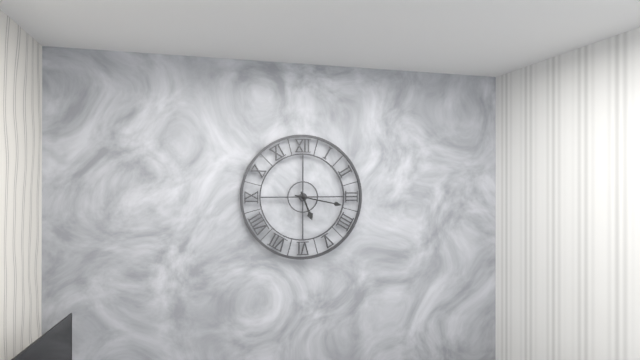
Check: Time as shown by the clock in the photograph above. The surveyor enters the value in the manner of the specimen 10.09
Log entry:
5.17
